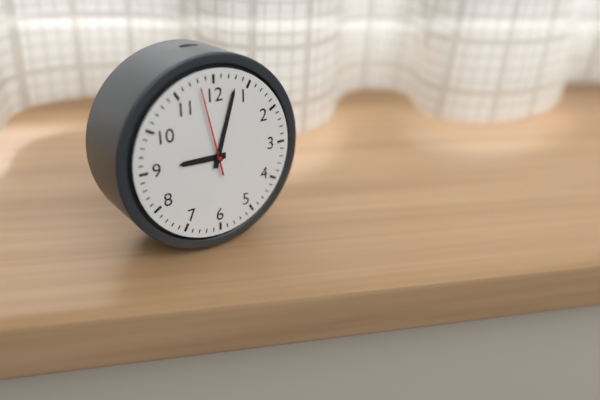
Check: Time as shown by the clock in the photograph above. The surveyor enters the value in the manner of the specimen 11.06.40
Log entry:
9.03.58
